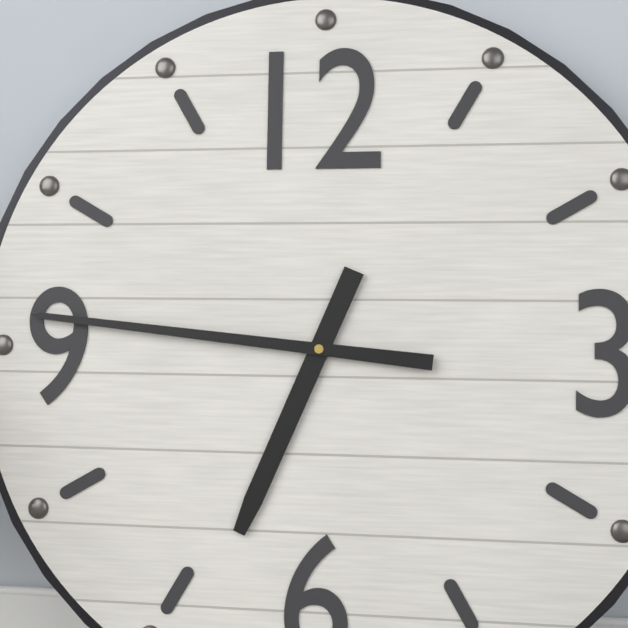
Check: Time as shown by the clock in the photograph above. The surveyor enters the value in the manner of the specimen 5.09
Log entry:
6.46
